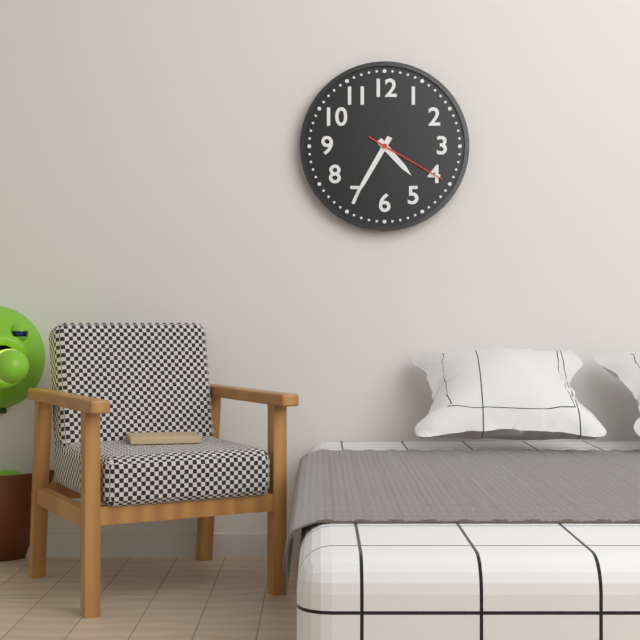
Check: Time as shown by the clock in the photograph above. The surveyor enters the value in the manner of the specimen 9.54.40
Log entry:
4.35.20
